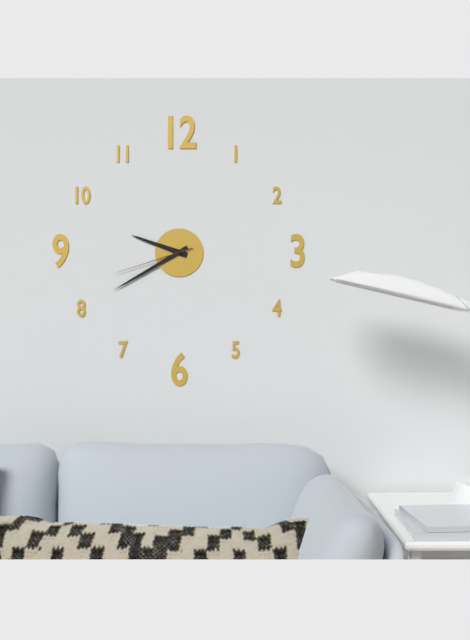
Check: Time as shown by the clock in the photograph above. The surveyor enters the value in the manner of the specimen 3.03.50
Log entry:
9.40.42
